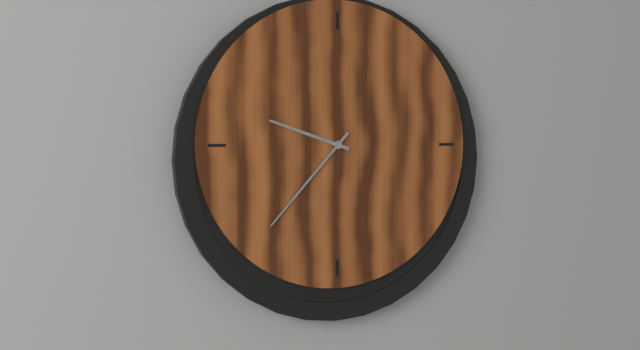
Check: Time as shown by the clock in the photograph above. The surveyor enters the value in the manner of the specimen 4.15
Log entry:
9.37
